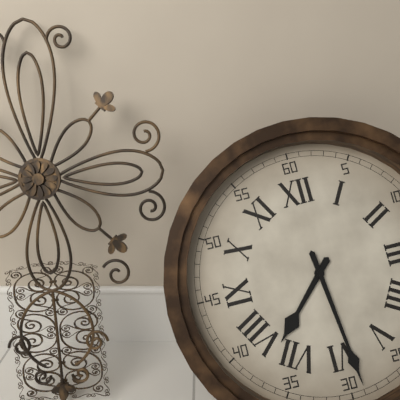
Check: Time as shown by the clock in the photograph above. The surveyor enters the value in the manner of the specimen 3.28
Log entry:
7.29
